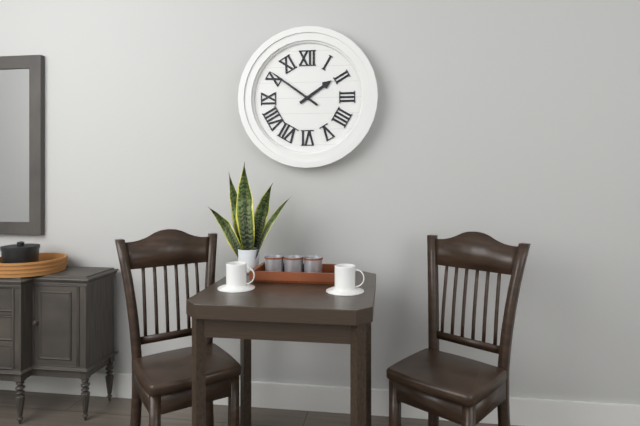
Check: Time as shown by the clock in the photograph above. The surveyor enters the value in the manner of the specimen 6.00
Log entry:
1.51
